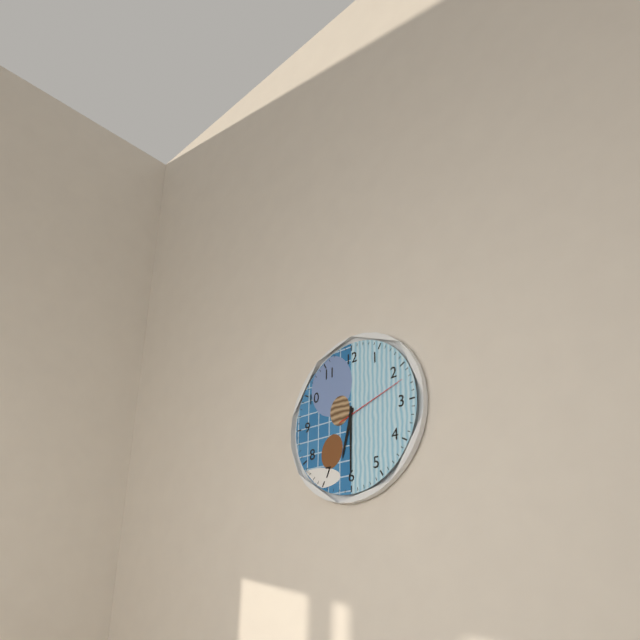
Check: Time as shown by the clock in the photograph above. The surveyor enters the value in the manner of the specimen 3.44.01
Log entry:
6.30.12
